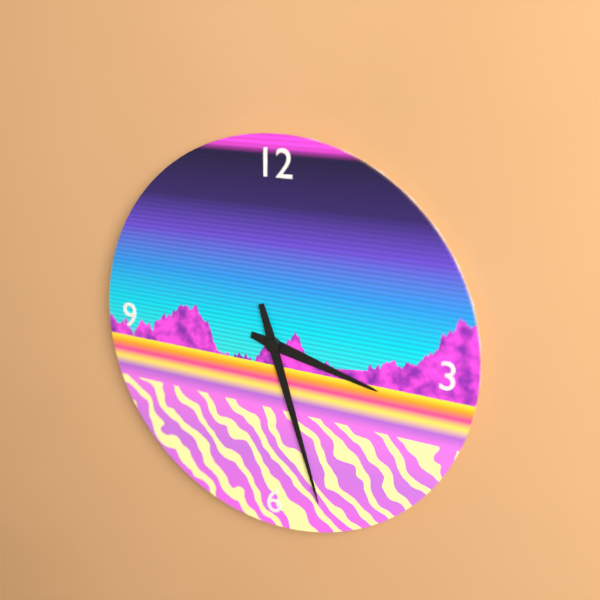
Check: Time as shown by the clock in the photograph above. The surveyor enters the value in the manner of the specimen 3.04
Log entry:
3.27
